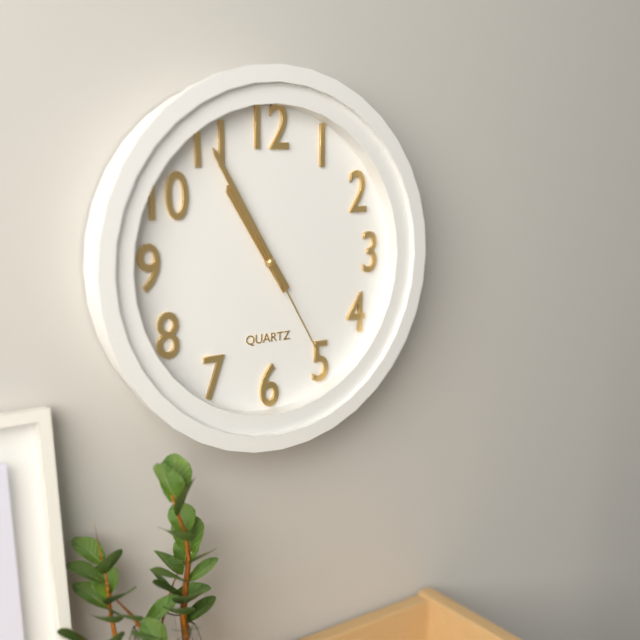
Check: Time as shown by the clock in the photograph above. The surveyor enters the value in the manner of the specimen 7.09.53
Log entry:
10.55.25
